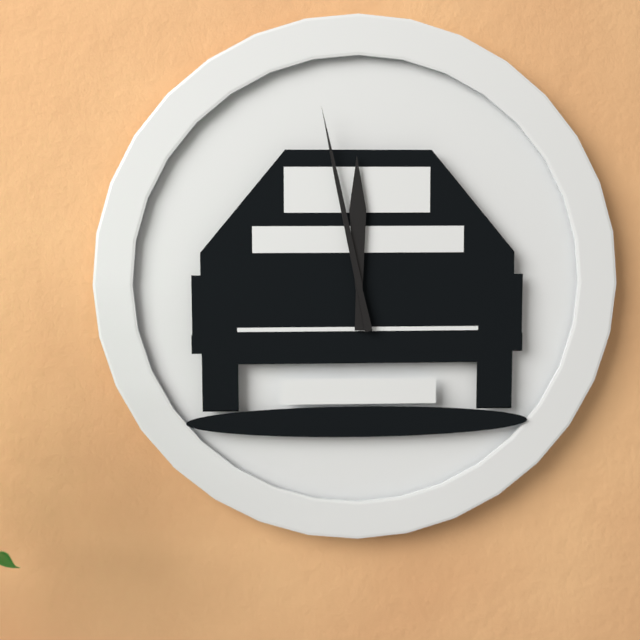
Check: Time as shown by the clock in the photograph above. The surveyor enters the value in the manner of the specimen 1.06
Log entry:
11.58
